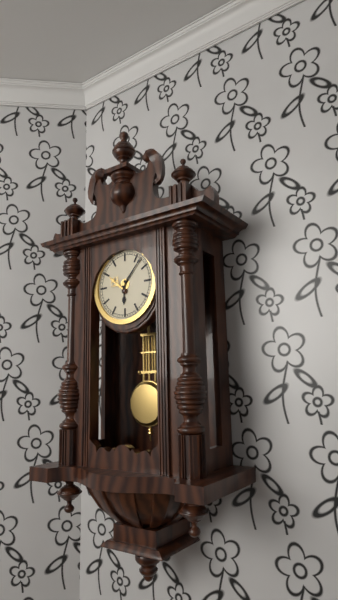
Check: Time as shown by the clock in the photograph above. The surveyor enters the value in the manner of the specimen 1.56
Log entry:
6.07
